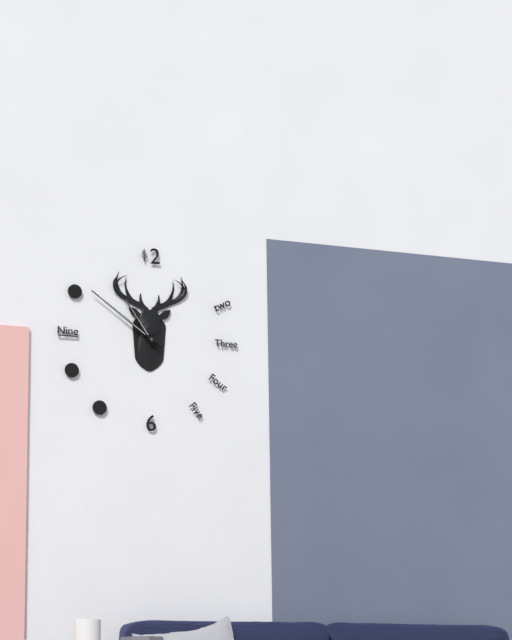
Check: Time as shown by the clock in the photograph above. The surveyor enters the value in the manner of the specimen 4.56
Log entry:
10.51
